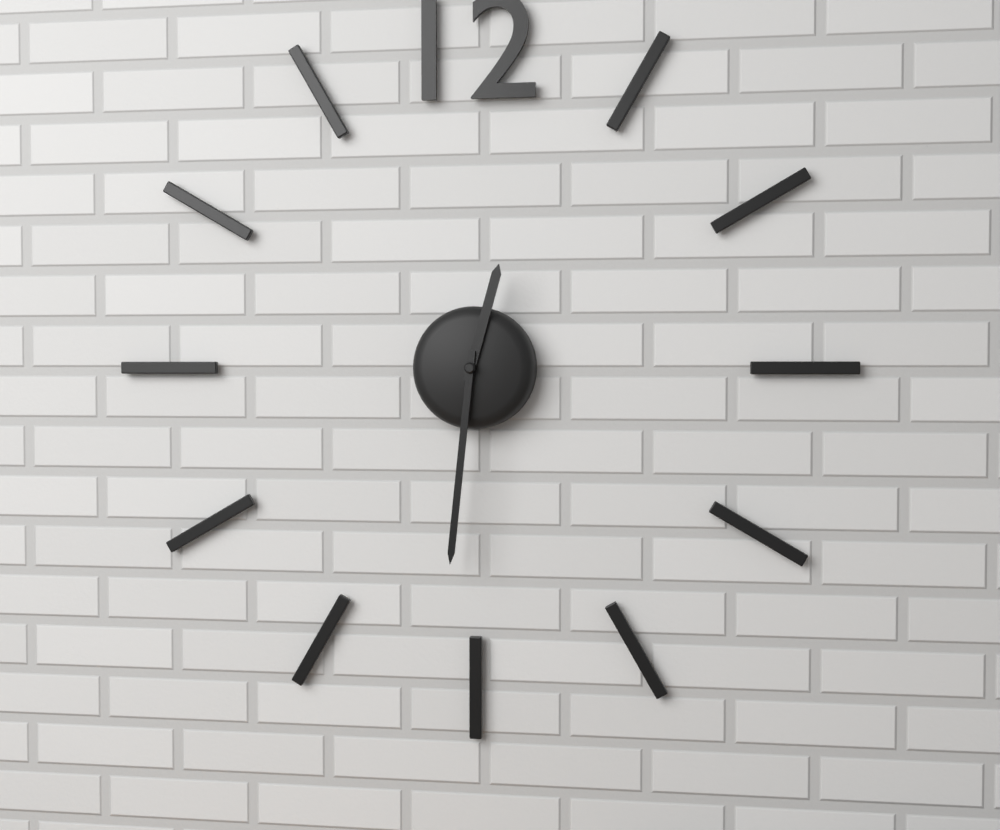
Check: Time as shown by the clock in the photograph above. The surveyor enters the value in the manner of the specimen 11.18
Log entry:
12.31
